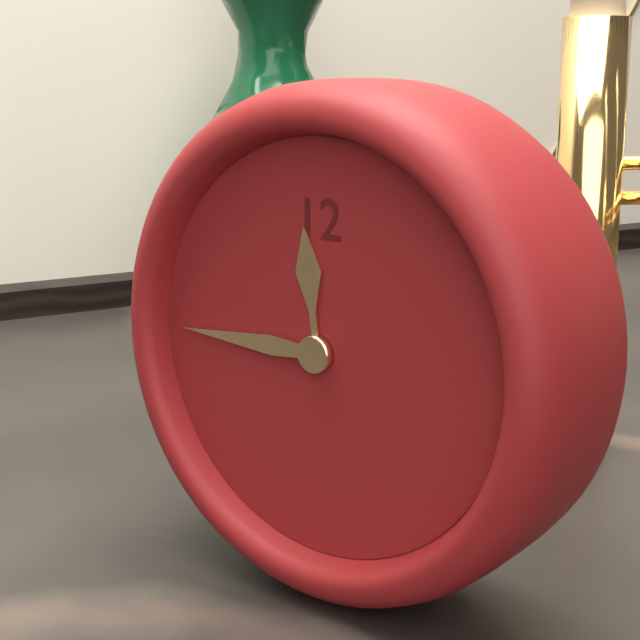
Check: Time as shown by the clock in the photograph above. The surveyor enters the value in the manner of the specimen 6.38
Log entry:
11.45
